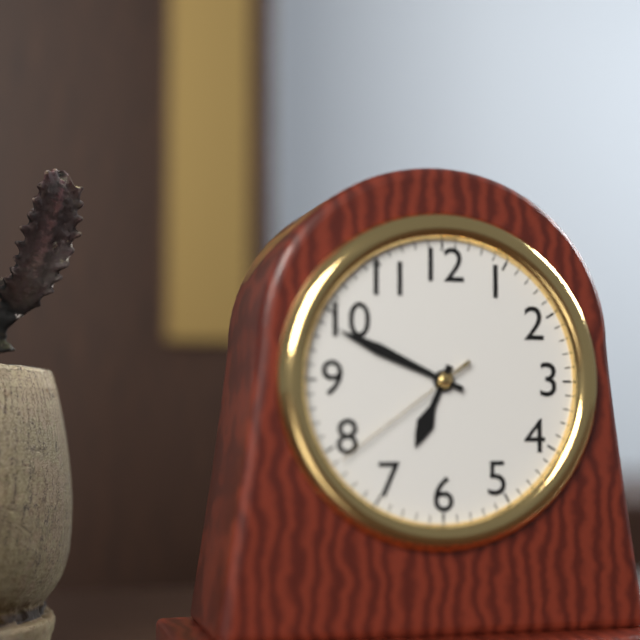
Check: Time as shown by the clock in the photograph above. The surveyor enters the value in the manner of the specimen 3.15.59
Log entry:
6.49.39
